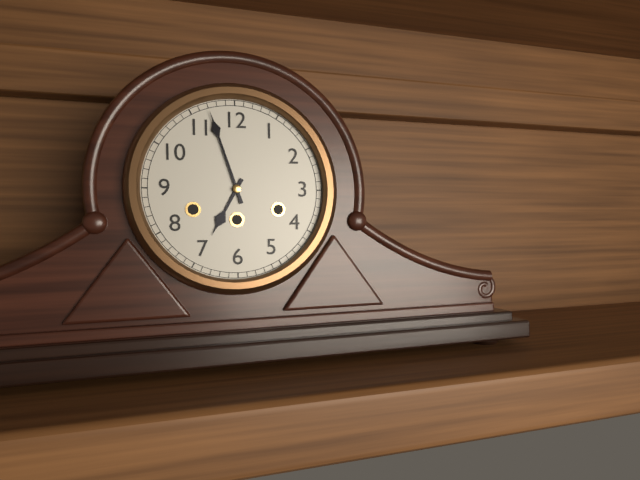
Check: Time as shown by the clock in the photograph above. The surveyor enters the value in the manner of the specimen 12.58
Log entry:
6.57
